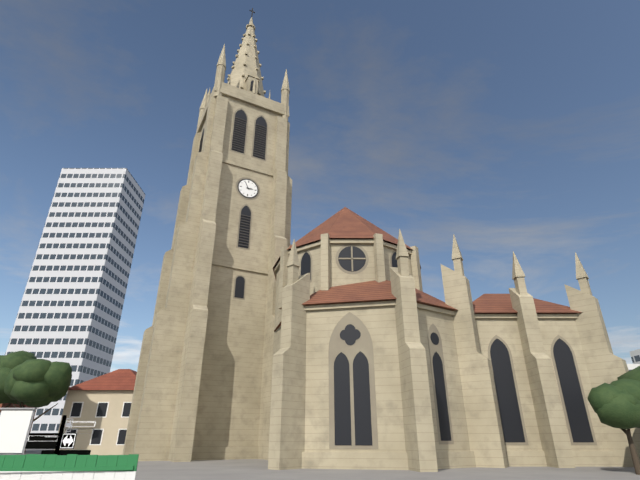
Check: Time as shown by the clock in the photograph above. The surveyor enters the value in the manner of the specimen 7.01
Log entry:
2.55
